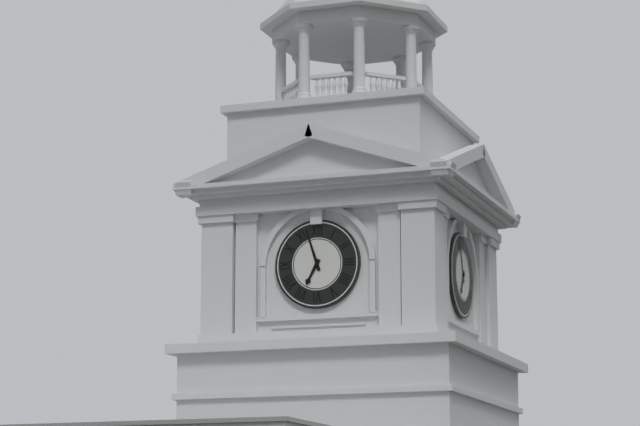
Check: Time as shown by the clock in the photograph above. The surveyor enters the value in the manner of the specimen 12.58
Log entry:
6.57
